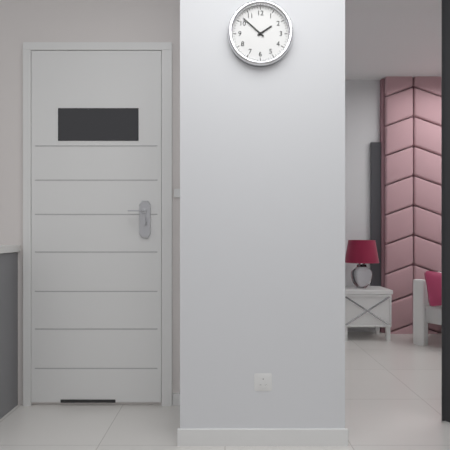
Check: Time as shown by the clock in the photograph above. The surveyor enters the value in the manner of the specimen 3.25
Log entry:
1.52
